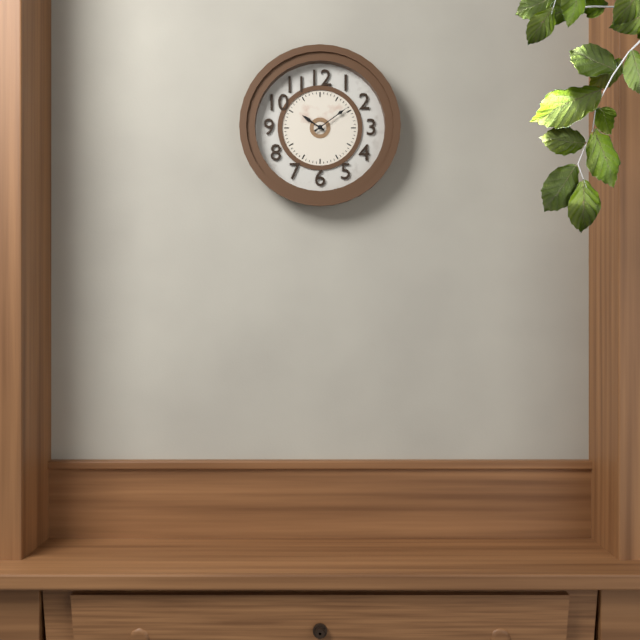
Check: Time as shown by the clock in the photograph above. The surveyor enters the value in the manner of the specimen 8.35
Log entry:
10.09
